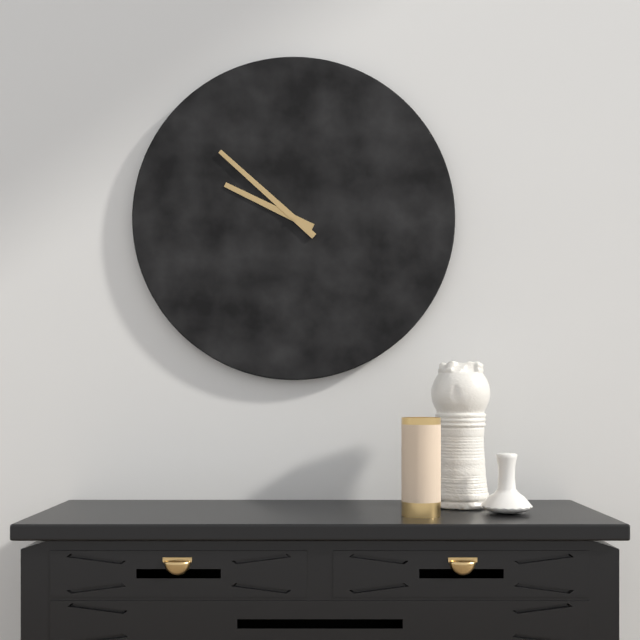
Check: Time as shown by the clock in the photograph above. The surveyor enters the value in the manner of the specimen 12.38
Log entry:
9.52
